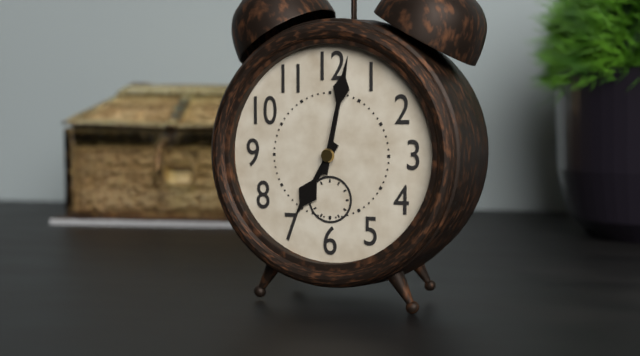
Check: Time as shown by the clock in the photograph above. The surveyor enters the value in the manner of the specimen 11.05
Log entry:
7.02
